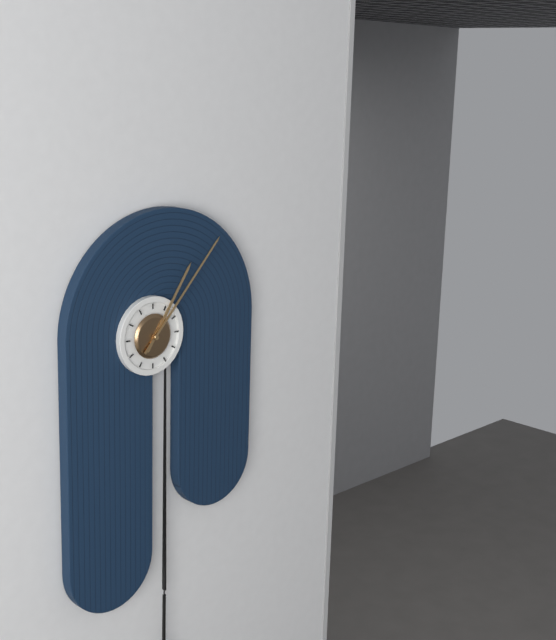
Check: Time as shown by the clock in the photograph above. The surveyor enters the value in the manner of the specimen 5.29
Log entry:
1.07
